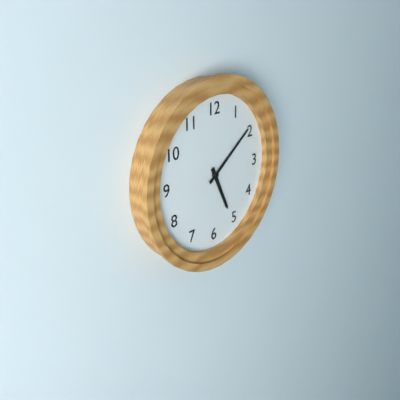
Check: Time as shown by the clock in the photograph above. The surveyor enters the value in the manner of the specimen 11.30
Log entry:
5.09
